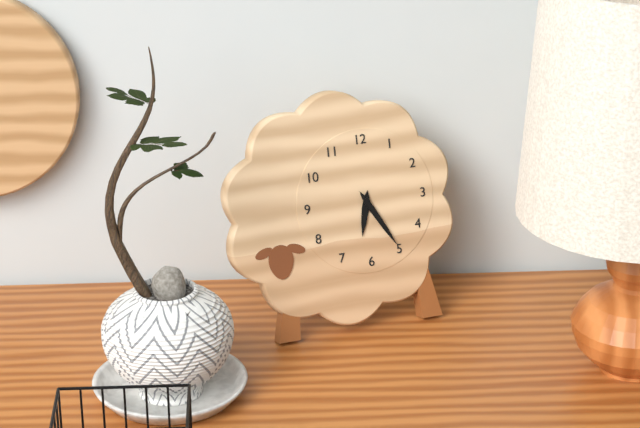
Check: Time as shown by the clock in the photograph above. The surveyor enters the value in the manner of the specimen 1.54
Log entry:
6.25
